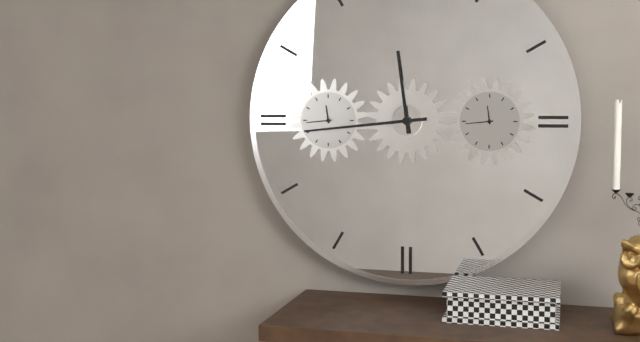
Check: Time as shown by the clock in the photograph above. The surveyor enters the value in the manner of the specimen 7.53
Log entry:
11.44
